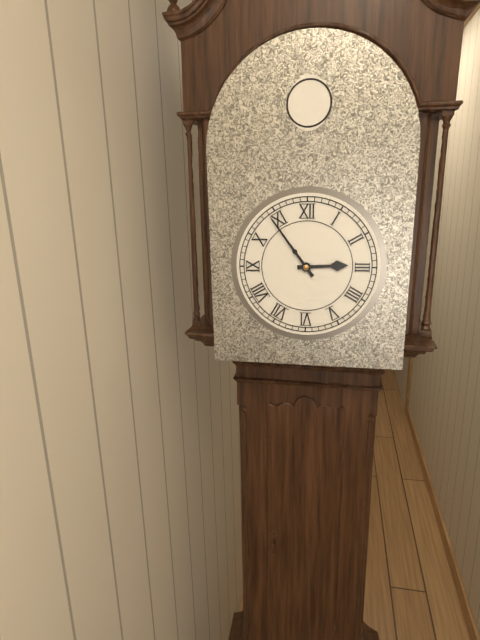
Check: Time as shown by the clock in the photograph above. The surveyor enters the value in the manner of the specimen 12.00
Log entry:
2.54
